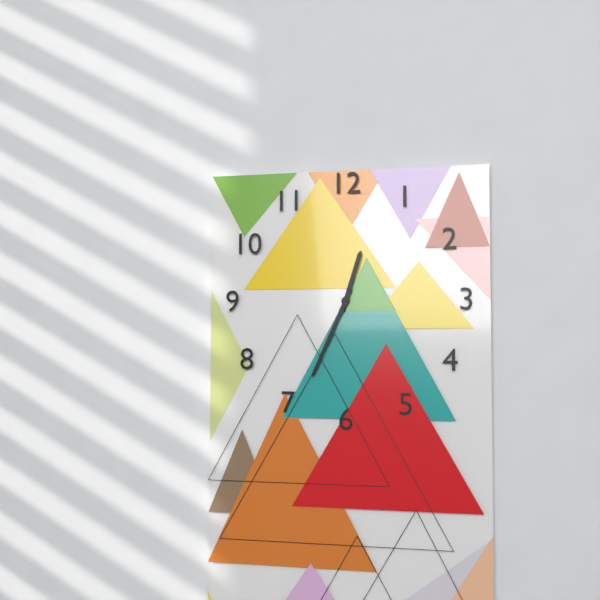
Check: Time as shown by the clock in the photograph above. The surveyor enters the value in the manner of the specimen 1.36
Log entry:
12.34
